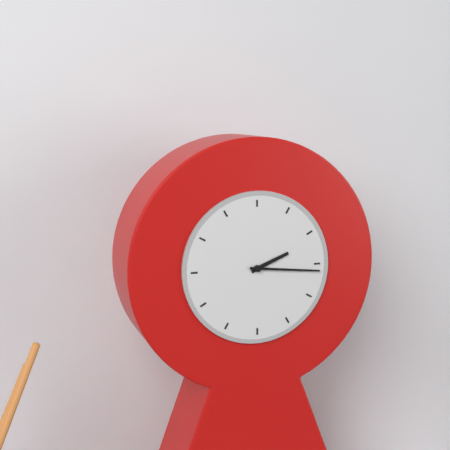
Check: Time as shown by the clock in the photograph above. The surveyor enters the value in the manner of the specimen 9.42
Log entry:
2.16
